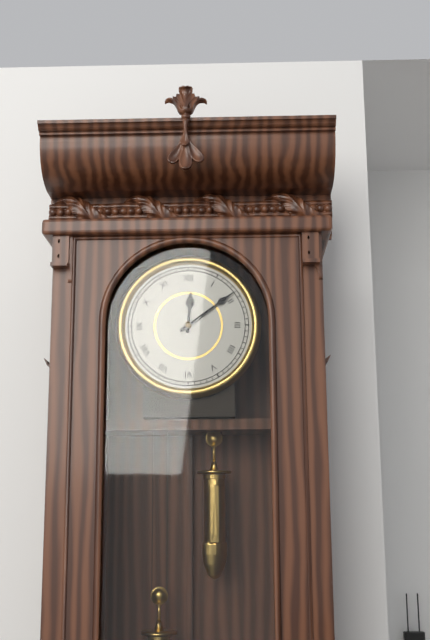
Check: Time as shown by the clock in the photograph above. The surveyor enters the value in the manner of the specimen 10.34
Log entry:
12.09
